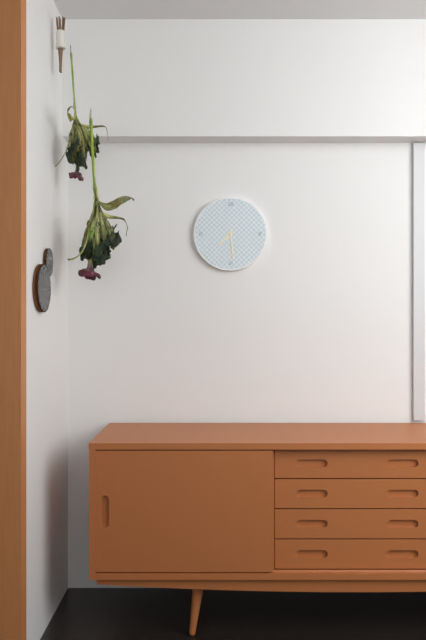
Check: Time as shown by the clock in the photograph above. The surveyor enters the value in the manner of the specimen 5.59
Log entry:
7.29
